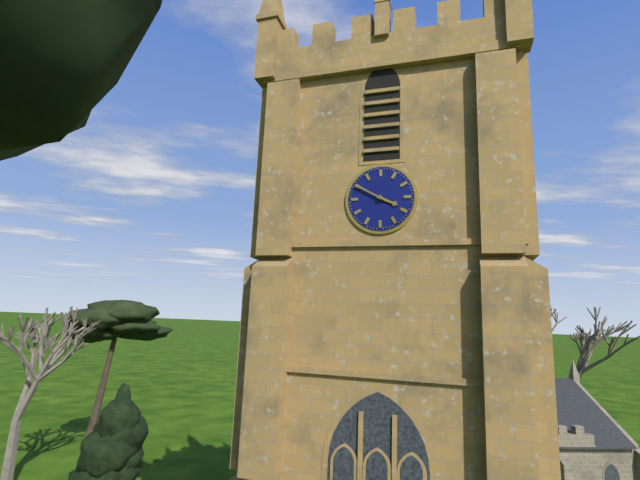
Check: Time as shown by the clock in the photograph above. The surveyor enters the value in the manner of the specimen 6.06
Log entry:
3.50
